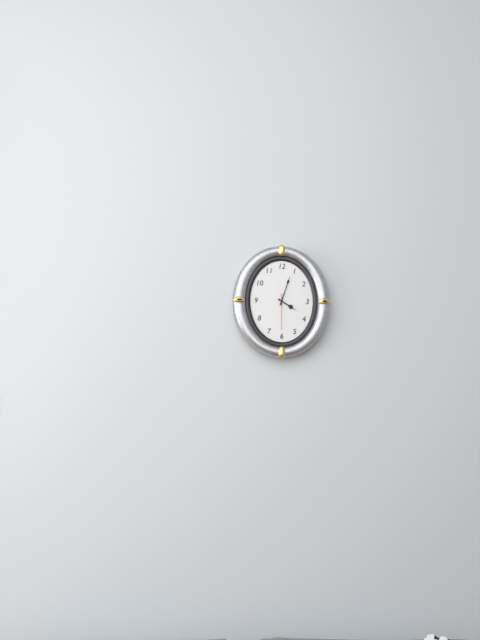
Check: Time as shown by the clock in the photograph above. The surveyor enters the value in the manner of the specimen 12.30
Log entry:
4.03
